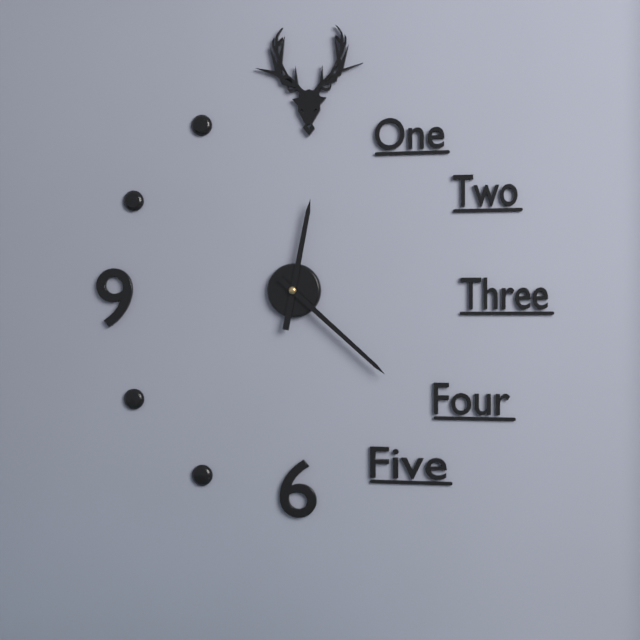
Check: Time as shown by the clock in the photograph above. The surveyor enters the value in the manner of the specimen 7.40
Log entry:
12.22
